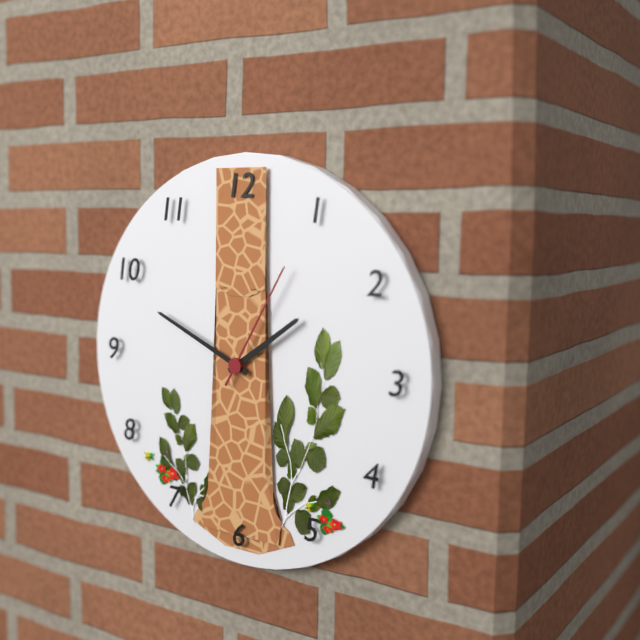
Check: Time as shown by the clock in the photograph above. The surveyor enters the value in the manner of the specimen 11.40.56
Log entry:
1.49.05
